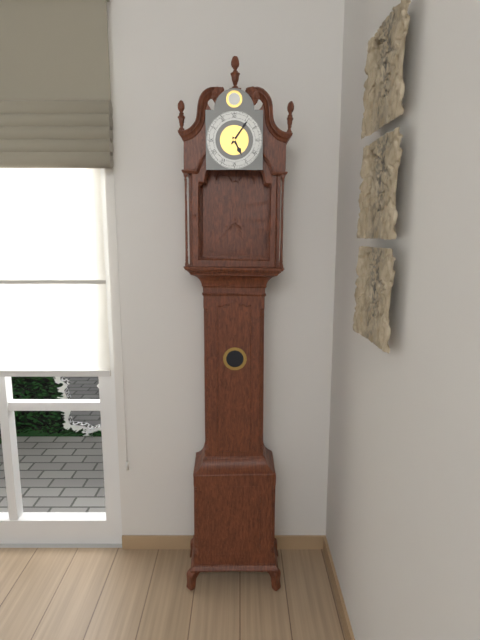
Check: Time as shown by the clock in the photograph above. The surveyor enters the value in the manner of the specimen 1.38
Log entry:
5.06
